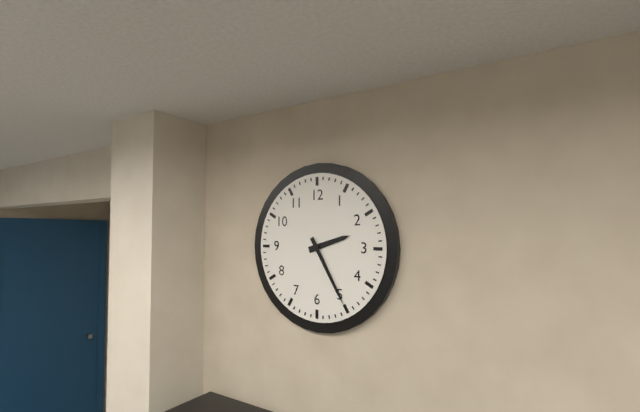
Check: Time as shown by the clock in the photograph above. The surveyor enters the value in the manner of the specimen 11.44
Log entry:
2.25
